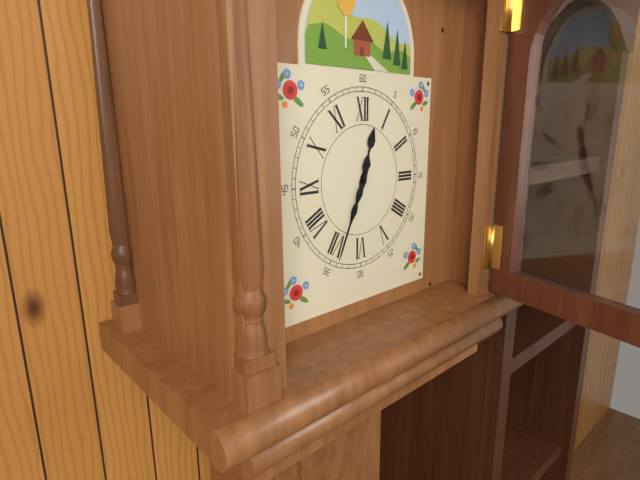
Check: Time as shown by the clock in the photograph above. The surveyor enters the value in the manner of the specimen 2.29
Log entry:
12.34
